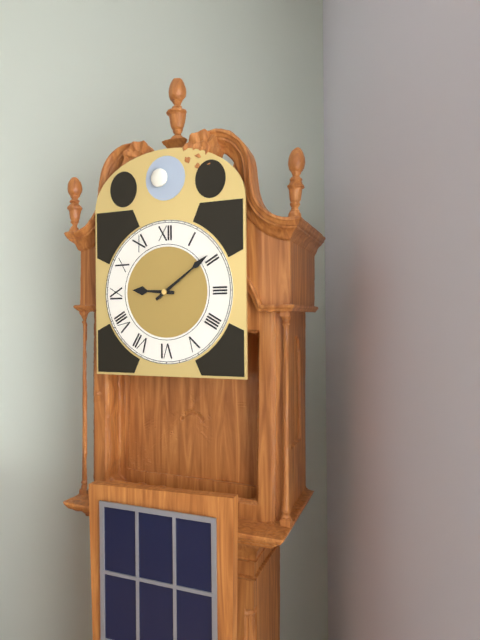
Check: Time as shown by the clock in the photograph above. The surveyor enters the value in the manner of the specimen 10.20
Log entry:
9.09
